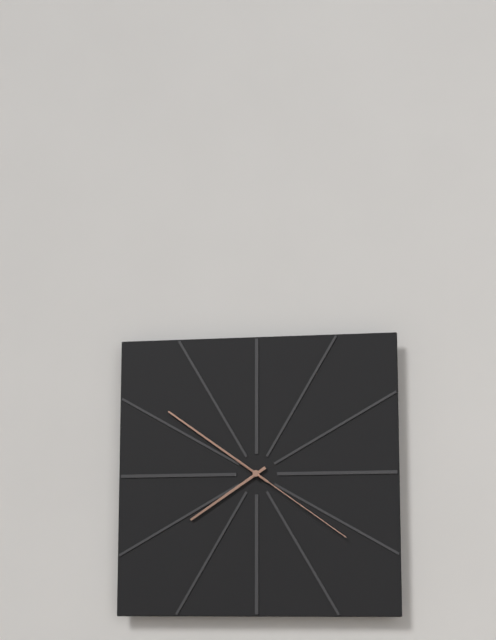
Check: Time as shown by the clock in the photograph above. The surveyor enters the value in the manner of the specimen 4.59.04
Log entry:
7.51.21
